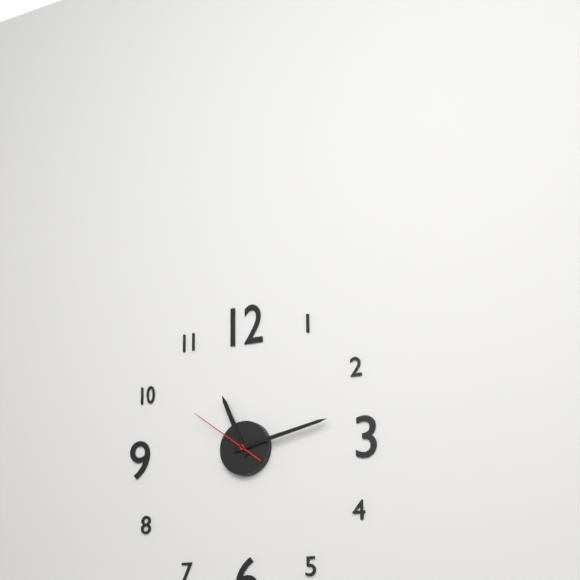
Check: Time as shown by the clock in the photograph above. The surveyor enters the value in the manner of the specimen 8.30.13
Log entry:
11.13.51
